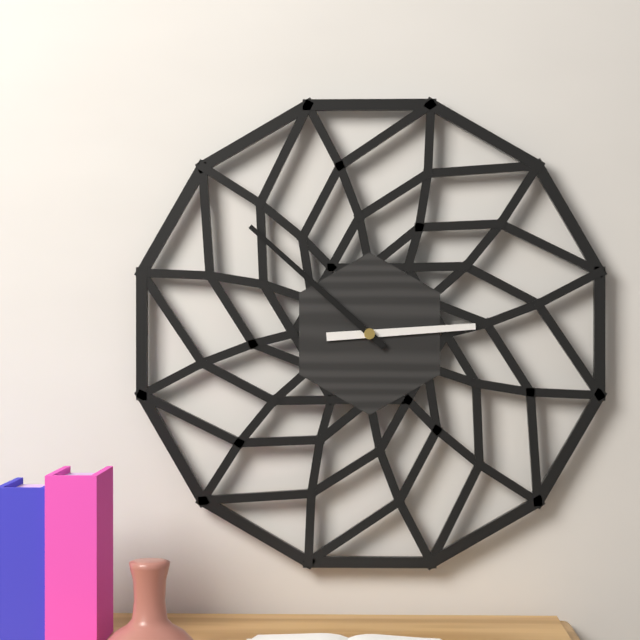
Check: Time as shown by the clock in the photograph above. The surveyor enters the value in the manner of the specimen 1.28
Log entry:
2.52
